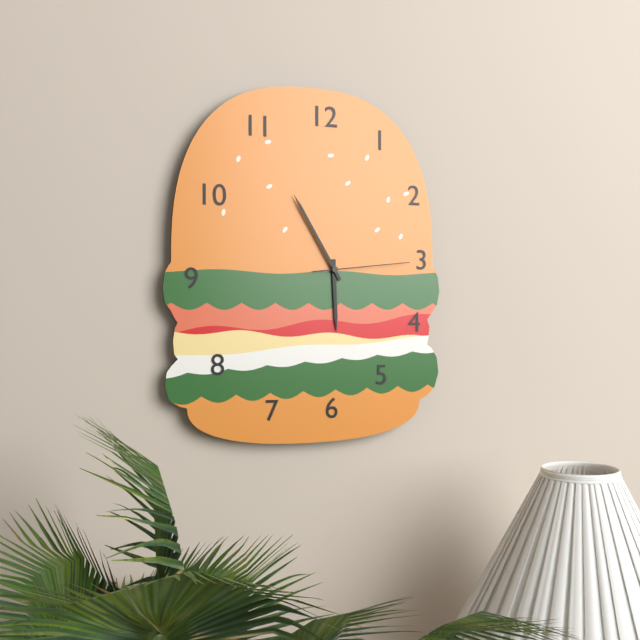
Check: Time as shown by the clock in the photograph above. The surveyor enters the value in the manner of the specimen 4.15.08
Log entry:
5.55.14
